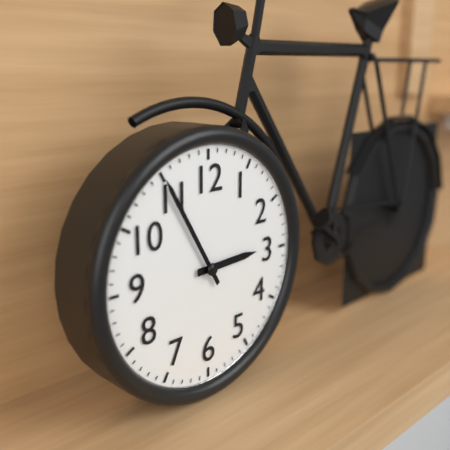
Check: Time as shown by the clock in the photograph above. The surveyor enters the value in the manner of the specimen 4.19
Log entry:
2.55
